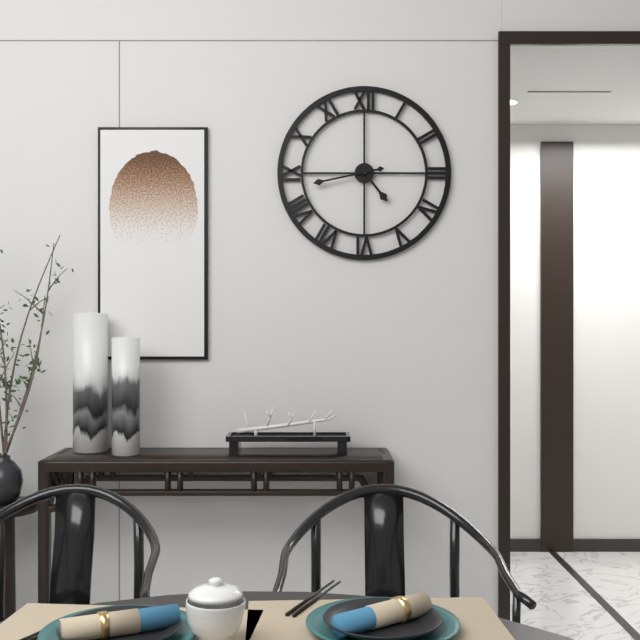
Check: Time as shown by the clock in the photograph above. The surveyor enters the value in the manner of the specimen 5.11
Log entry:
4.43
